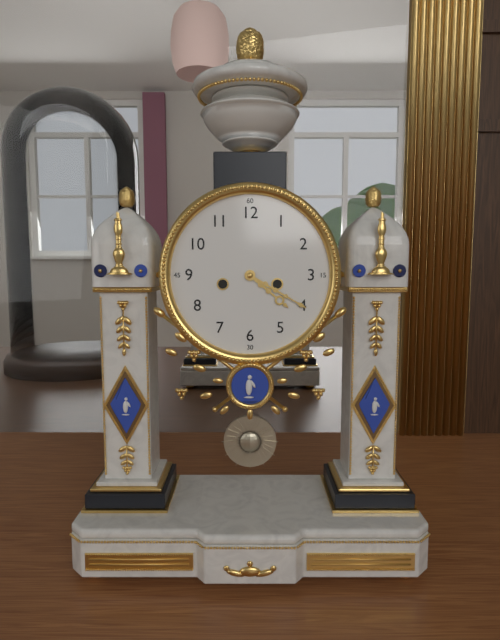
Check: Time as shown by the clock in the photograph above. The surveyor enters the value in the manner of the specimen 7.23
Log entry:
4.20
